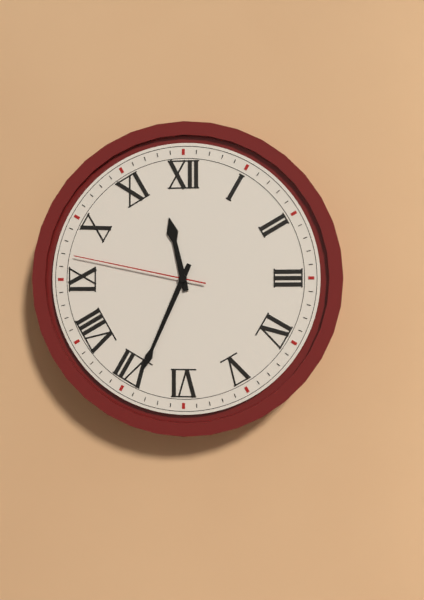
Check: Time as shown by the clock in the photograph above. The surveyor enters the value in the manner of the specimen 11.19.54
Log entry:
11.34.47
